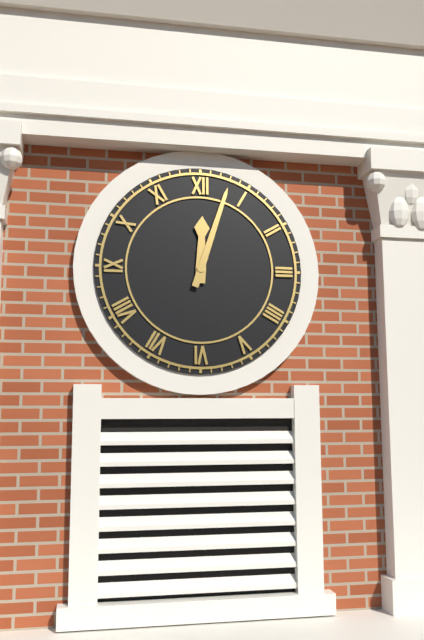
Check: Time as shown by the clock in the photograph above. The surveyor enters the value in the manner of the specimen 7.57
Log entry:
12.03
